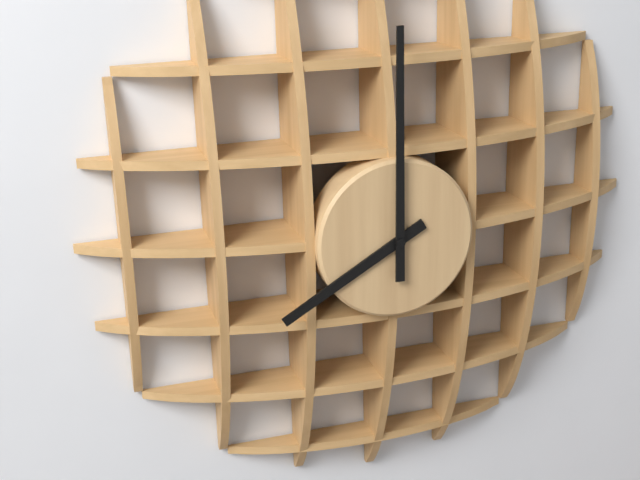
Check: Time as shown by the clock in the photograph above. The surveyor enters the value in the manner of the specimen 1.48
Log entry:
8.00
